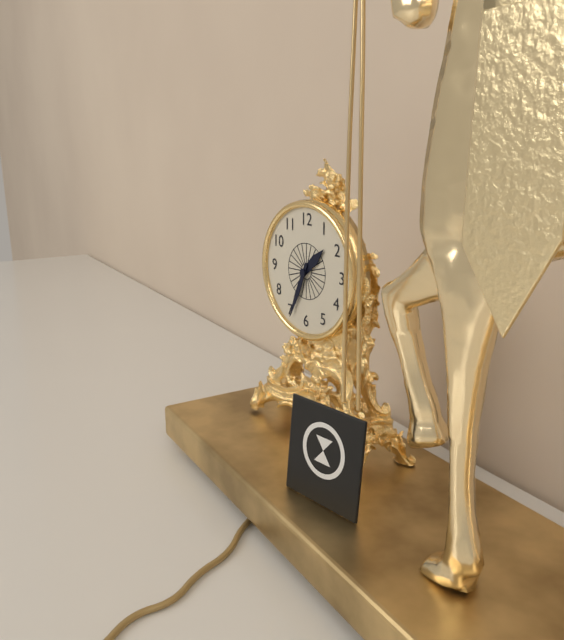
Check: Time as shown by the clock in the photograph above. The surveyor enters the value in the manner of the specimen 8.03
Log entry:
1.34
